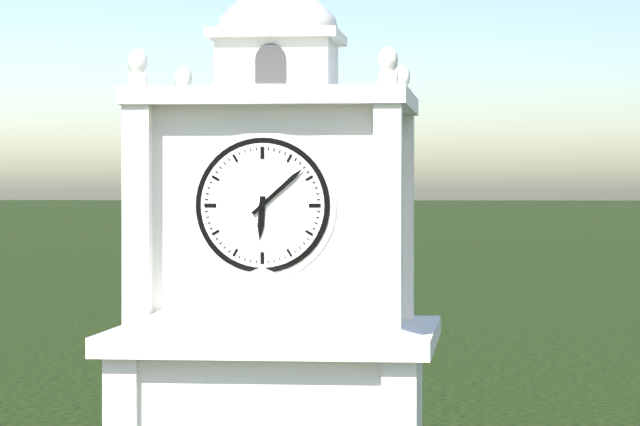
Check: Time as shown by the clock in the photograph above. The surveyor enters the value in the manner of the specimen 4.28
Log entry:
6.08
